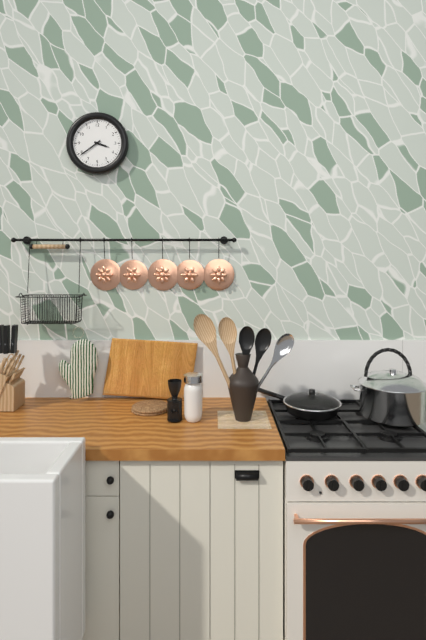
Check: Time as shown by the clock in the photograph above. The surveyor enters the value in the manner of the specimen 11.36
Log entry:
3.39
